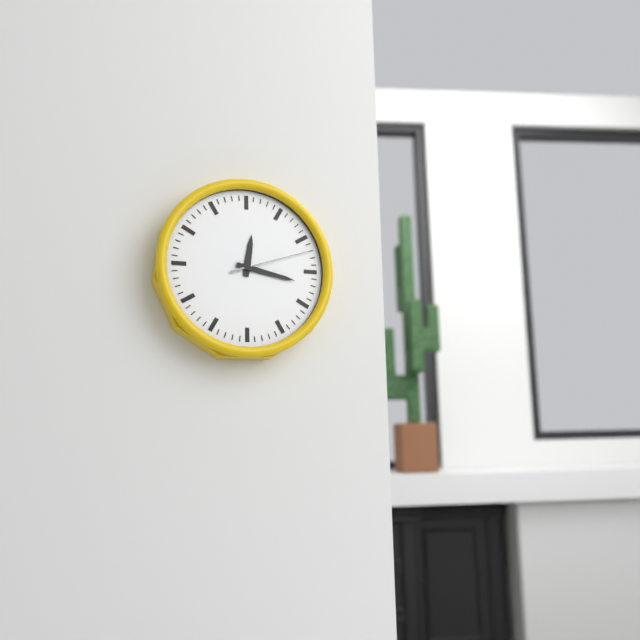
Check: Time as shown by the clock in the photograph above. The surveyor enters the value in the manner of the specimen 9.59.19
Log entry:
12.17.12
